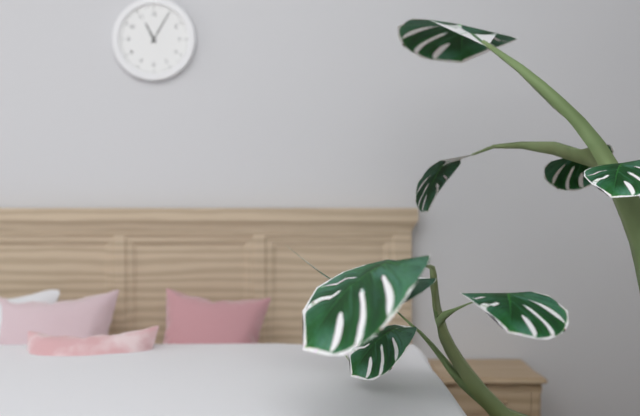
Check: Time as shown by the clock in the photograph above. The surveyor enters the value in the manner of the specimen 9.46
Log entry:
11.05
